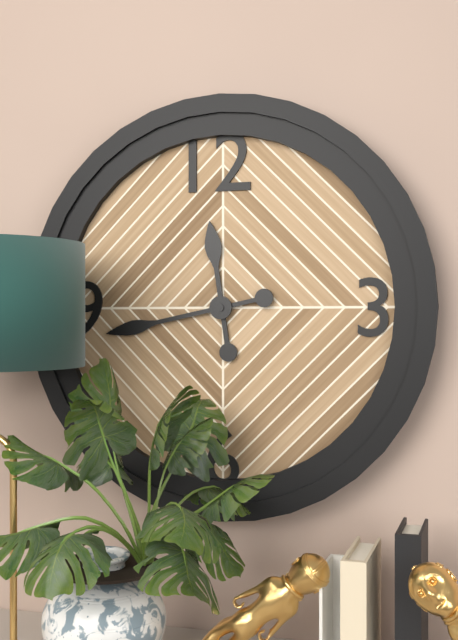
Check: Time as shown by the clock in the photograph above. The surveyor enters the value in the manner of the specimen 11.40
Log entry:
11.43
